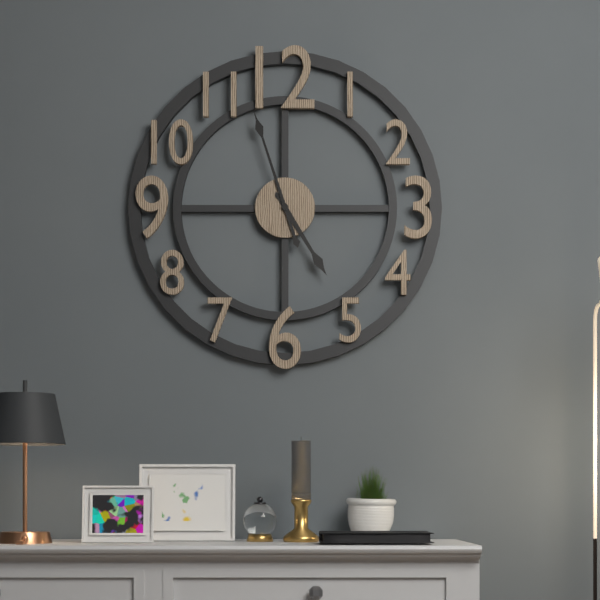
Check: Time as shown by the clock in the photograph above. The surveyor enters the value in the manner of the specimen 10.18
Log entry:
4.57
